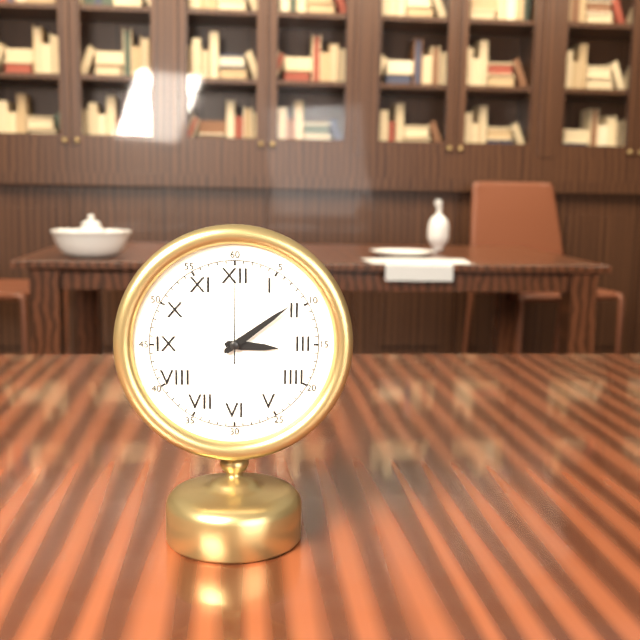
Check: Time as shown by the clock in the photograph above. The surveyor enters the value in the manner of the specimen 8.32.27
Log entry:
3.09.00
